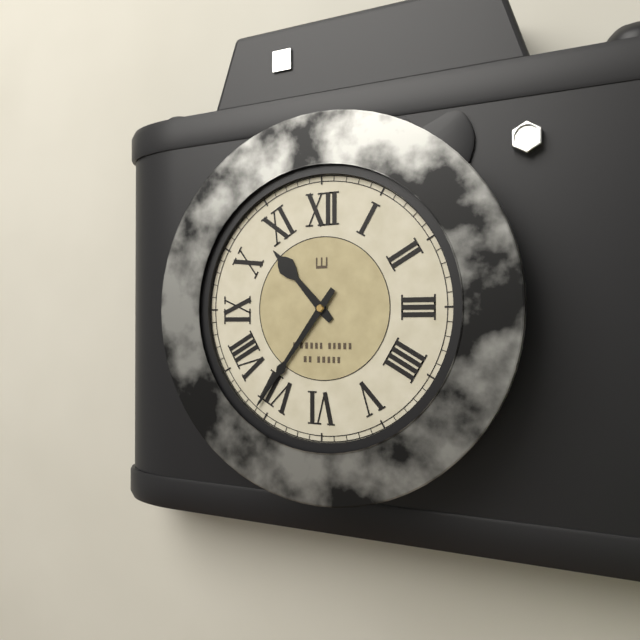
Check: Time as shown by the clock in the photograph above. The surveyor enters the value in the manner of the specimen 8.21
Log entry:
10.36
